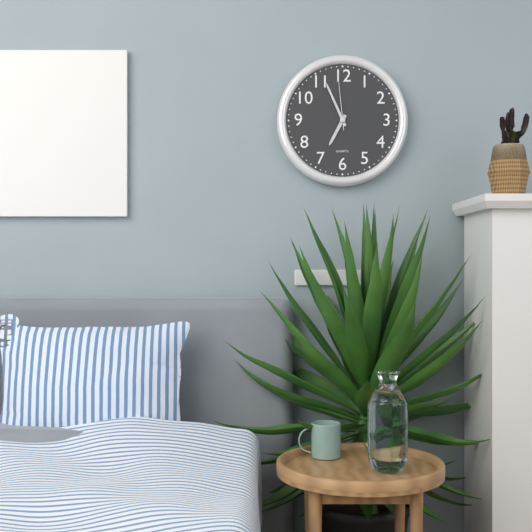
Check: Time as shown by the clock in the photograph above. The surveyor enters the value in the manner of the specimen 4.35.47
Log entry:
6.56.59
